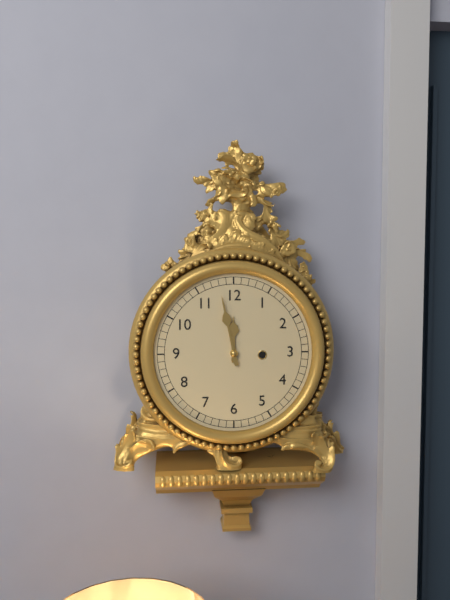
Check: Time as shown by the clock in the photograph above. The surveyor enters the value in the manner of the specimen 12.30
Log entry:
11.58
